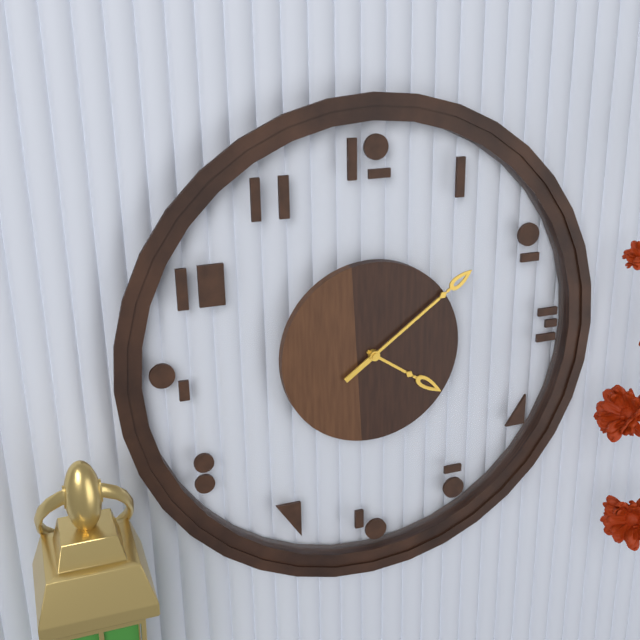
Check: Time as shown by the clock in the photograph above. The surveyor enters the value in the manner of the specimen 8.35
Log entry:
4.09
